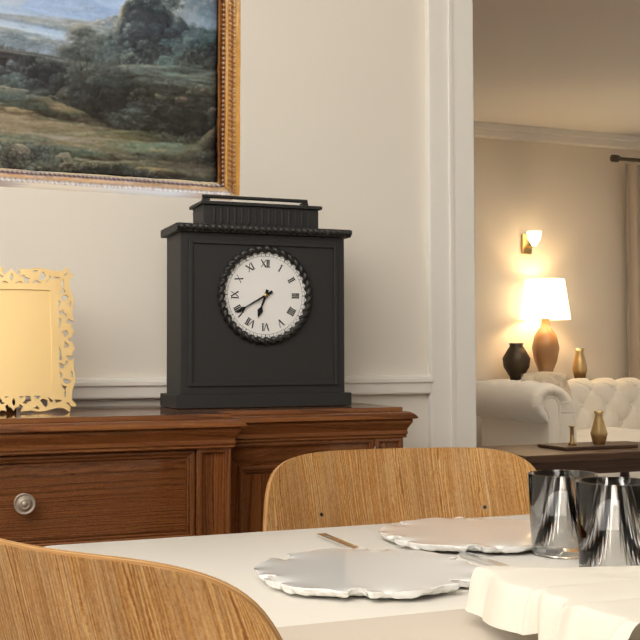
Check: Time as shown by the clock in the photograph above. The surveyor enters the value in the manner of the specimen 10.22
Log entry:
6.40
